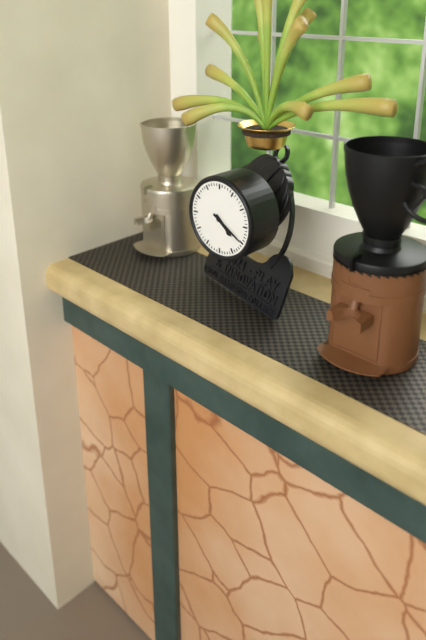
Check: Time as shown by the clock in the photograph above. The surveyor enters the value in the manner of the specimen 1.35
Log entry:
4.20
